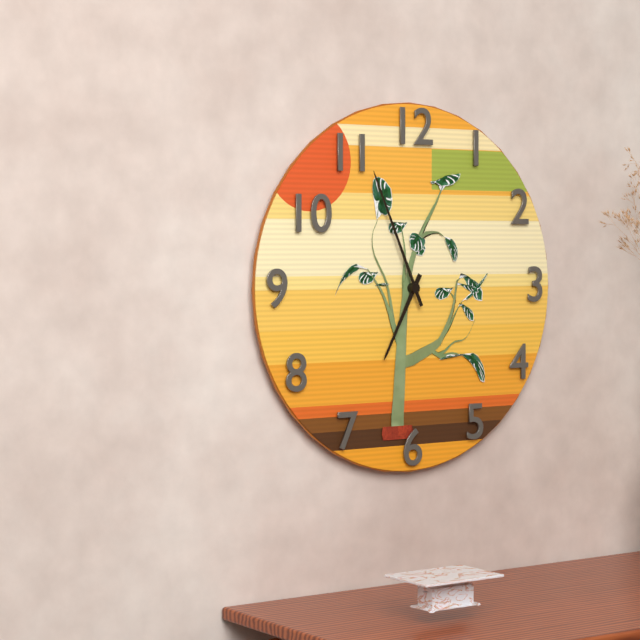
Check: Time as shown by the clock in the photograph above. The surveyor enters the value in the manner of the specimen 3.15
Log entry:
6.56
